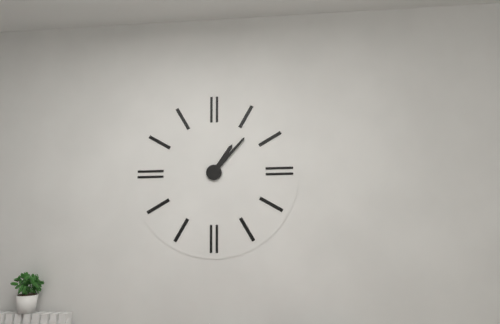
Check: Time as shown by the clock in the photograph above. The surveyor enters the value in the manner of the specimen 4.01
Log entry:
1.07
